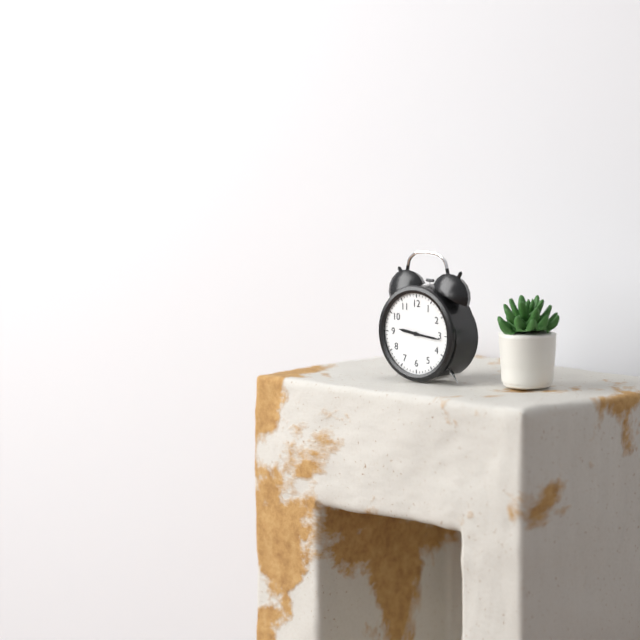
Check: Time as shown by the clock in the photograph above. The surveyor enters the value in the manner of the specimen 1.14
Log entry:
9.16
